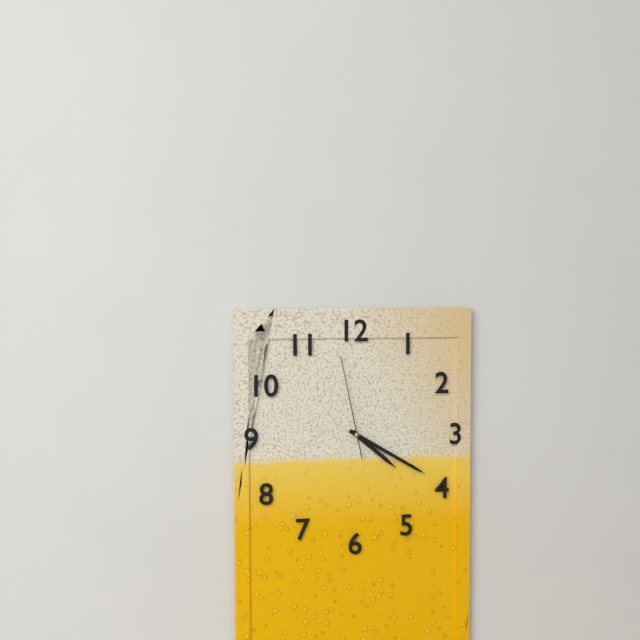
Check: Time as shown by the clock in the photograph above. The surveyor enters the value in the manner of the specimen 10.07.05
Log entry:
4.20.58
